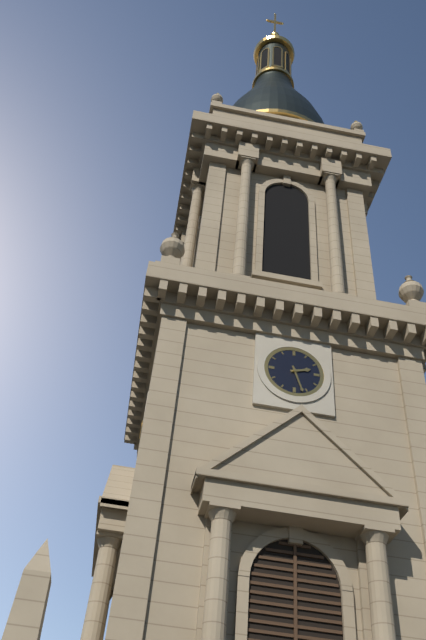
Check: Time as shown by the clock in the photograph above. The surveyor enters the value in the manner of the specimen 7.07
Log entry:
2.27
